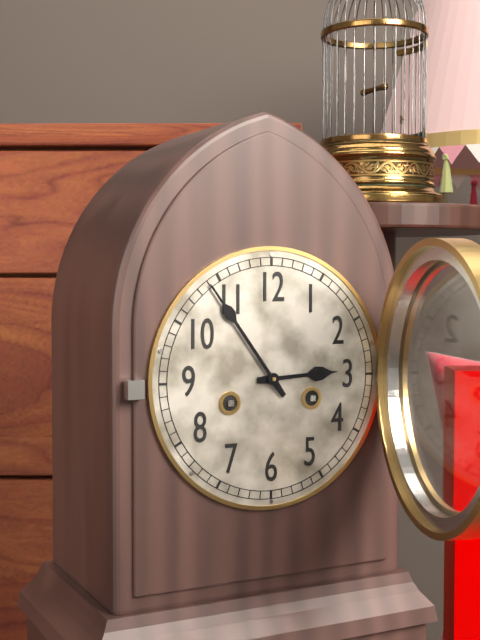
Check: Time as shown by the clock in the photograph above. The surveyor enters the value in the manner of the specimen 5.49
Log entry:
2.54
